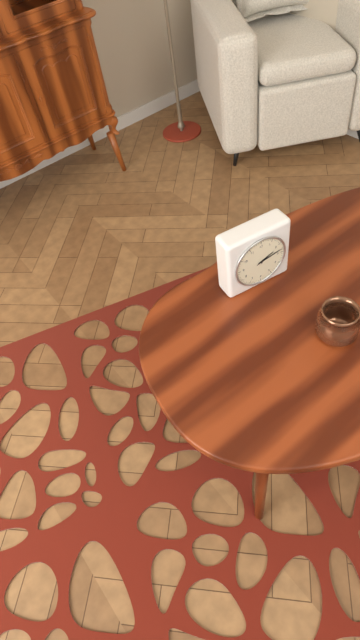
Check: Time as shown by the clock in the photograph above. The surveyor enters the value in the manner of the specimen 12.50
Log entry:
2.13
